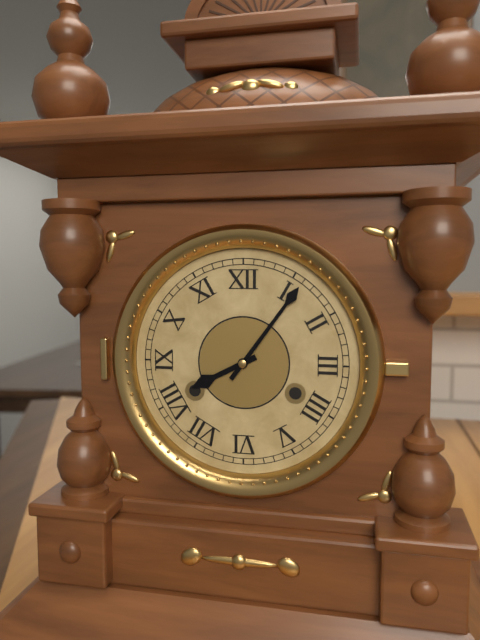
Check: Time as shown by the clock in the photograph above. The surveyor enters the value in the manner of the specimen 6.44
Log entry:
8.06
